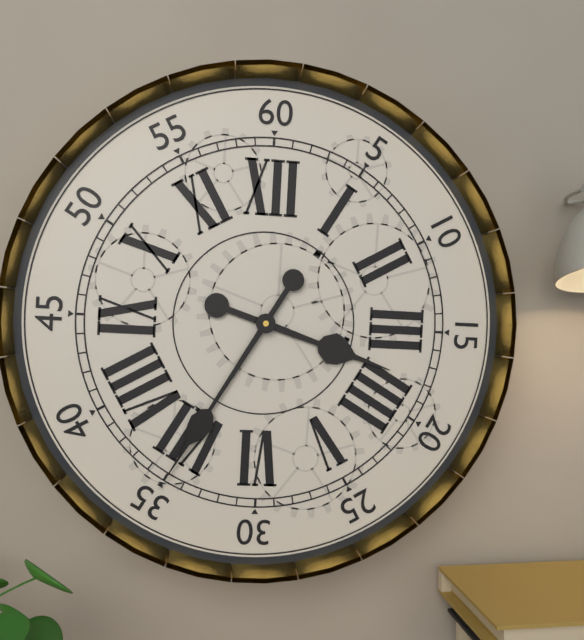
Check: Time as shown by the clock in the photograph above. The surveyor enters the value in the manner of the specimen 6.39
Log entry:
3.35
